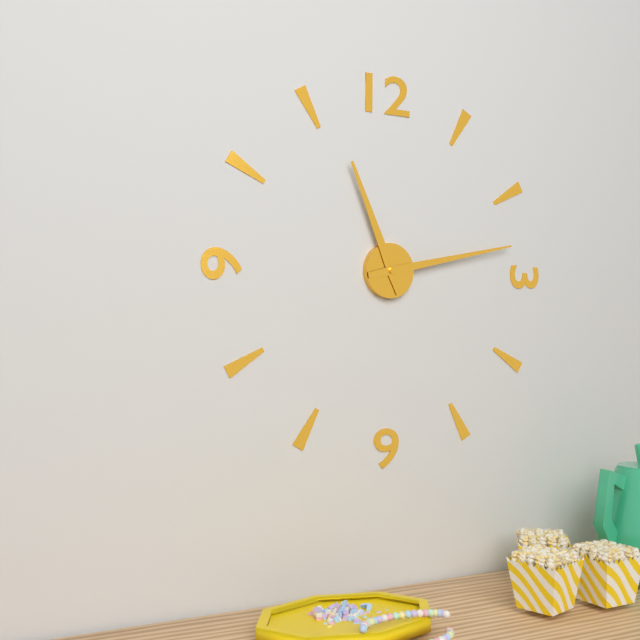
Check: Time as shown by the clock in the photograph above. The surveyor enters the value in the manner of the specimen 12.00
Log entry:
11.13
